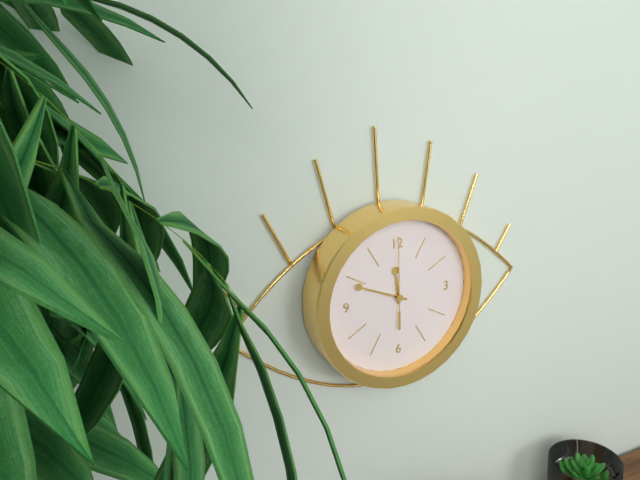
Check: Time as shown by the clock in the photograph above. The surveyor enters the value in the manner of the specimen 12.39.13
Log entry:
11.49.00
